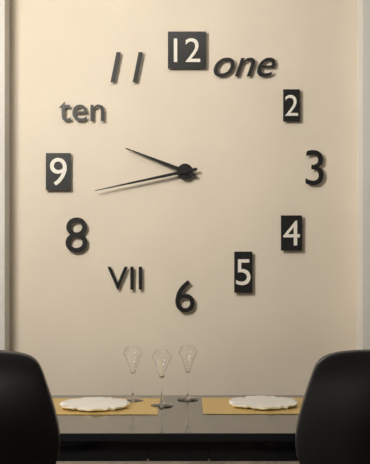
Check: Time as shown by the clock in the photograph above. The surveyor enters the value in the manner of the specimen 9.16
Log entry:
9.43
